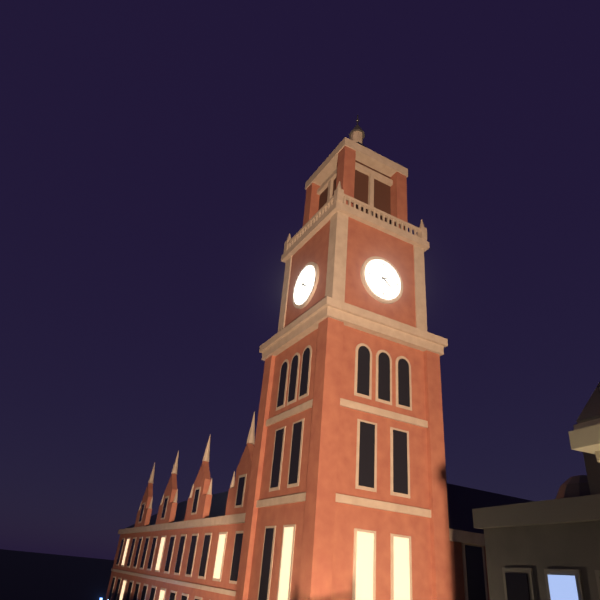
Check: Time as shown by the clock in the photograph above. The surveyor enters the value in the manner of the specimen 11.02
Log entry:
4.11
